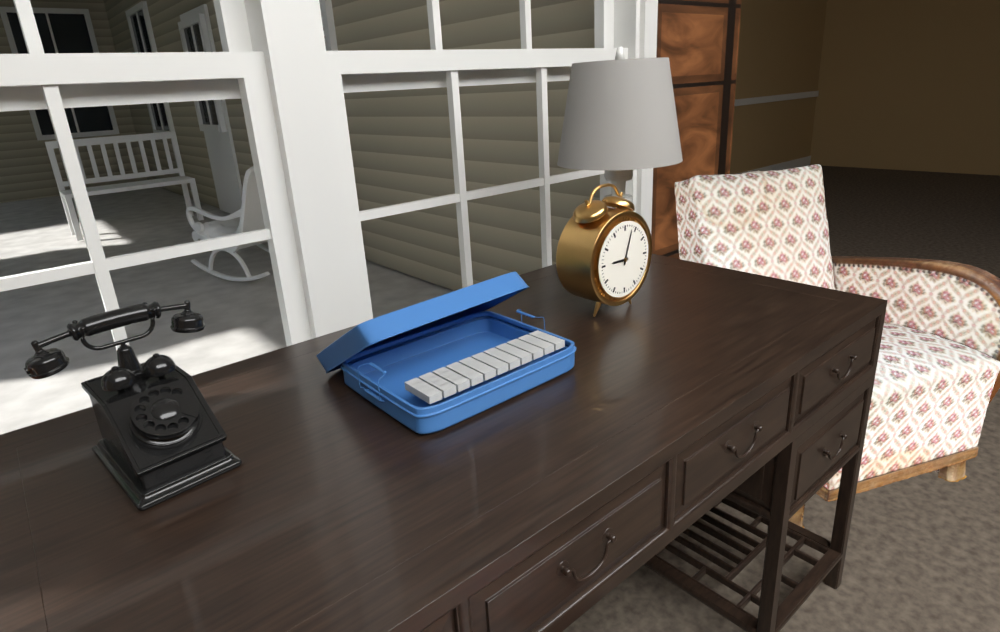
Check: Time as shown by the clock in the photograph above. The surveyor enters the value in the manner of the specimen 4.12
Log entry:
9.03
